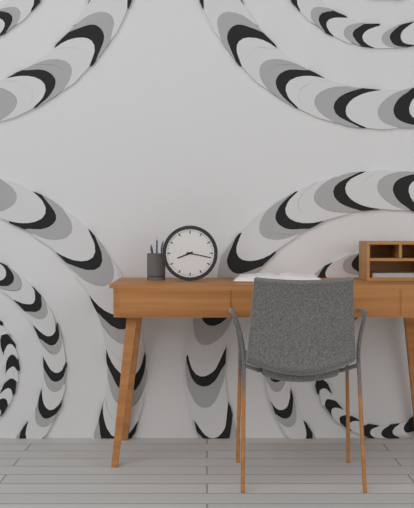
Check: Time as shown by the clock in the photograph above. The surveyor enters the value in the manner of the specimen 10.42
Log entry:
8.17
